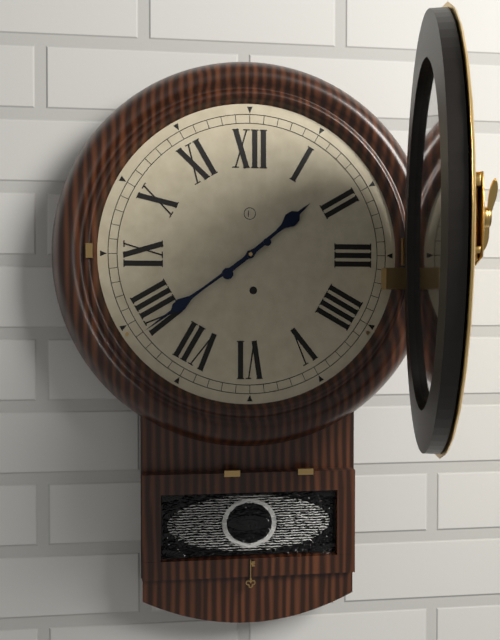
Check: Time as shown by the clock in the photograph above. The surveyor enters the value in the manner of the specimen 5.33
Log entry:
1.39
